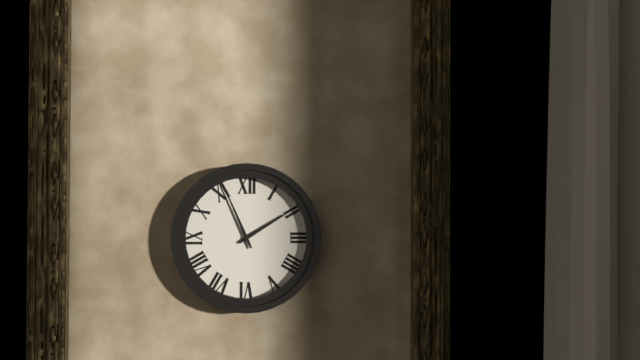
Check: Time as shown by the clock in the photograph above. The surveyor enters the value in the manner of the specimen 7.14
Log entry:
1.56
